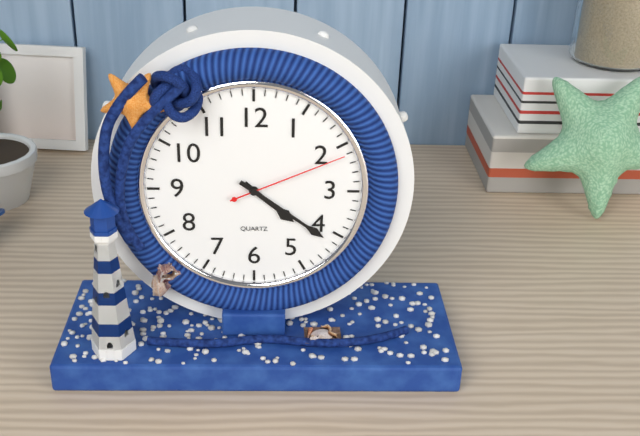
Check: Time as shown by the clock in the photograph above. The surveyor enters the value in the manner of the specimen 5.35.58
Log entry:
4.21.11
